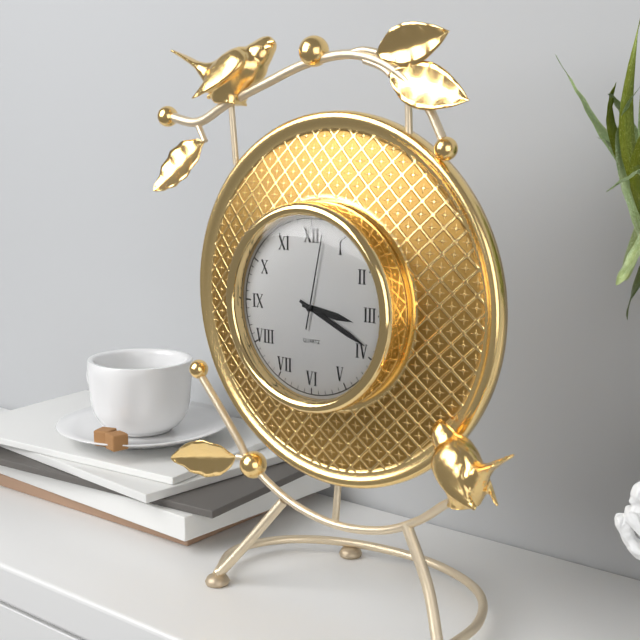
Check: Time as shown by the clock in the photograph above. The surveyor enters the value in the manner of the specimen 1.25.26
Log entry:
3.19.02
